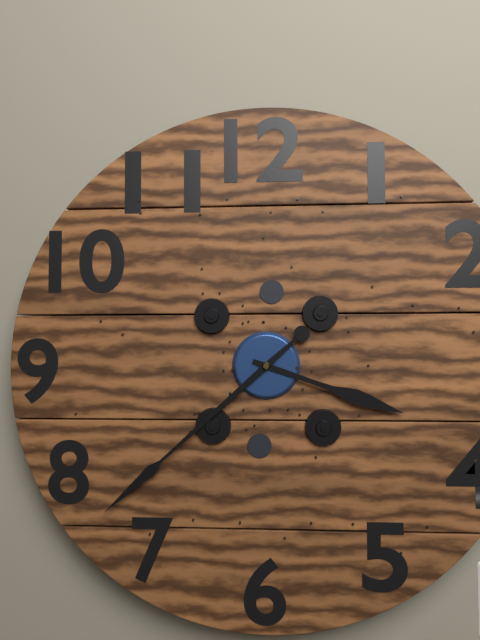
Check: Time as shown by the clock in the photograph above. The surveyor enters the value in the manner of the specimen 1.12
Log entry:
3.38
